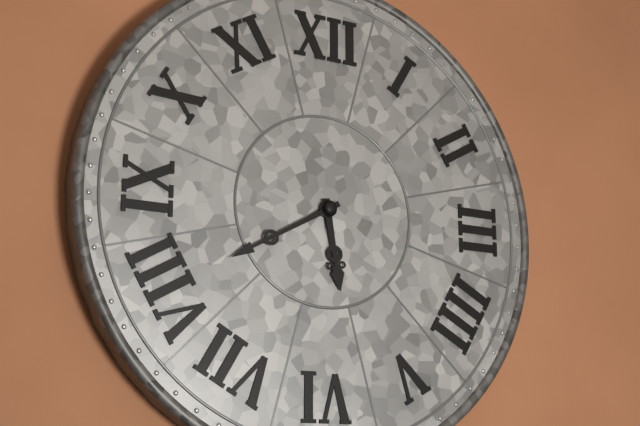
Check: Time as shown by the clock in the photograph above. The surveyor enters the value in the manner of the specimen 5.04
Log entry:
5.40
